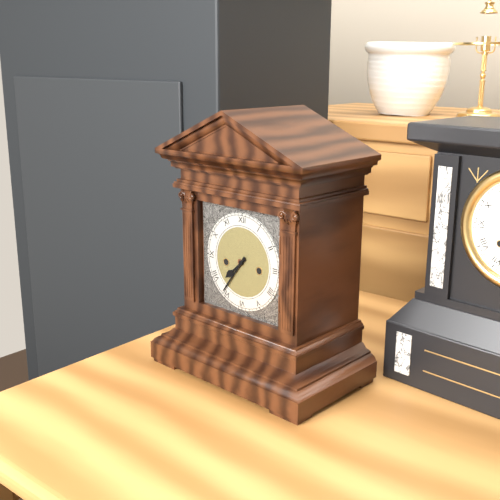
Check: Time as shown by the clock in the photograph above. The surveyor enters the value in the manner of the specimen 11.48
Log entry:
7.36
